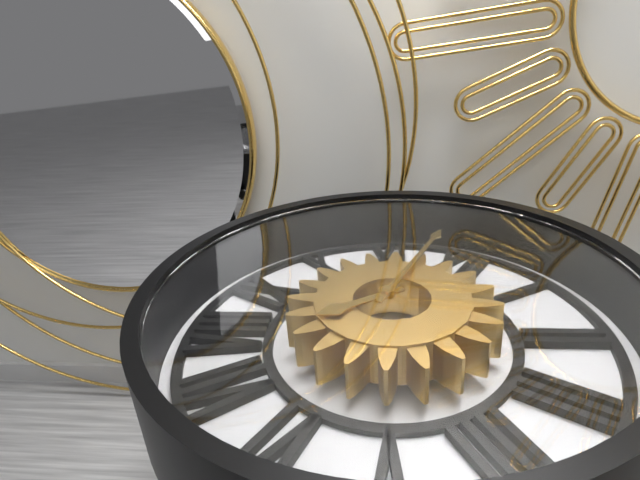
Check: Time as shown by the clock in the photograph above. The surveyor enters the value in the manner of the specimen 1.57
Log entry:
6.59
